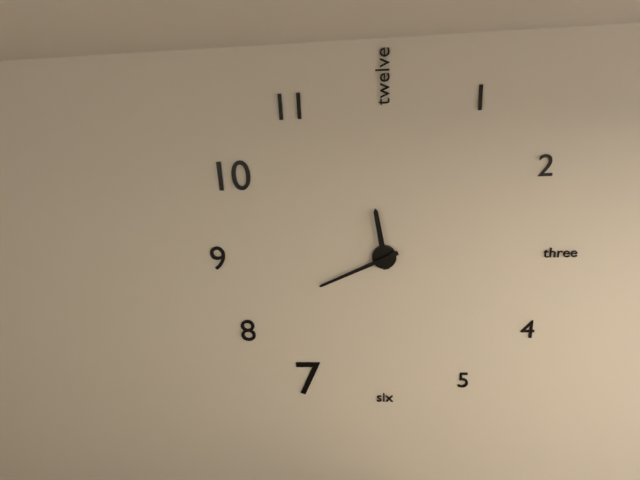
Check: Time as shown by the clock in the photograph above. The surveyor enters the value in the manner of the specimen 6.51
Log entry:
11.41
